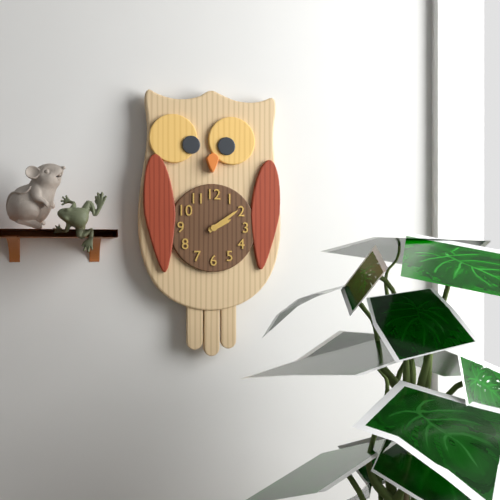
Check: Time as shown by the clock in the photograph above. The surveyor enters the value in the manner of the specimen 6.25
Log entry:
2.09
